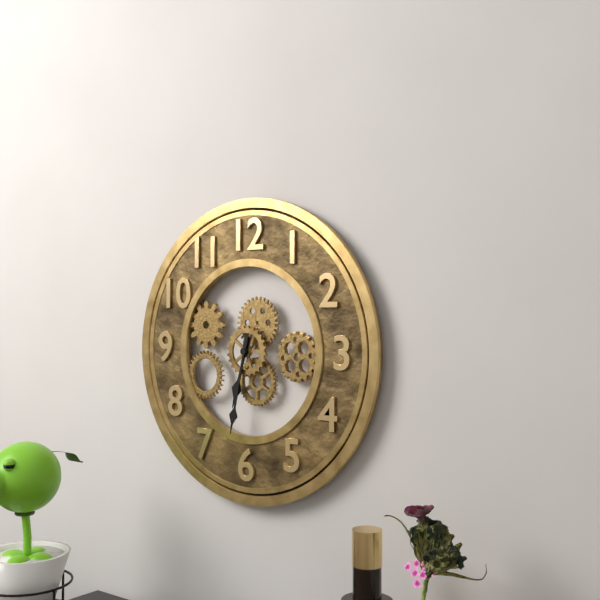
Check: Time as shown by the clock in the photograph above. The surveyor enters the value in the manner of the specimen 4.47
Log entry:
6.32
